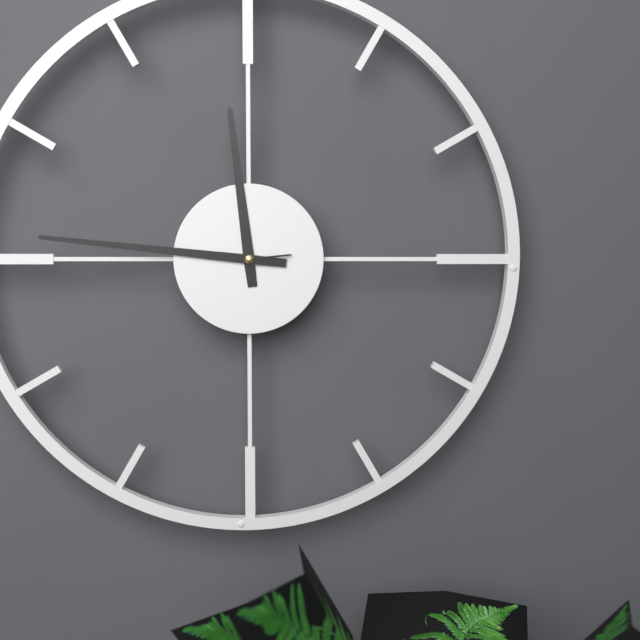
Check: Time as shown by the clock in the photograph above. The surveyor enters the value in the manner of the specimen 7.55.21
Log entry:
11.46.14
